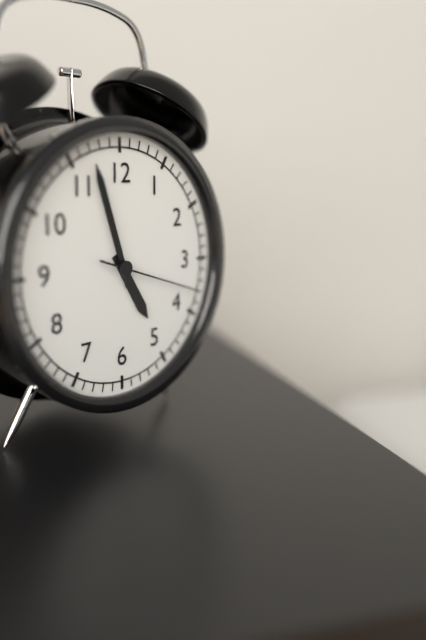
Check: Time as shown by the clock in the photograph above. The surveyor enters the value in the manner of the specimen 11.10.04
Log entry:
4.57.18
